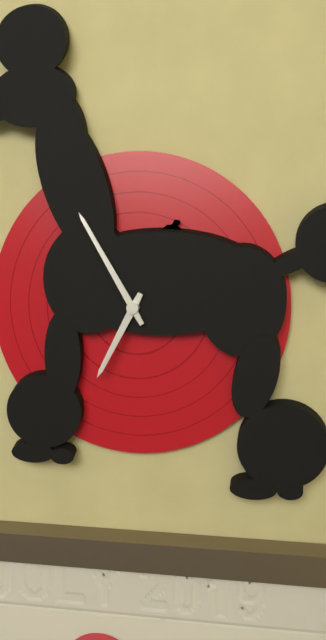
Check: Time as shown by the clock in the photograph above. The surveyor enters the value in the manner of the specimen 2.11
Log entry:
6.55
